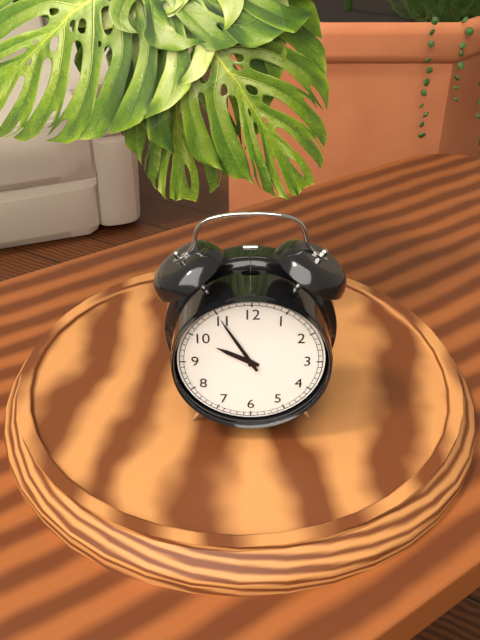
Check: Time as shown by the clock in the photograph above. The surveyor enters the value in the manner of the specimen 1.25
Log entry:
9.55
